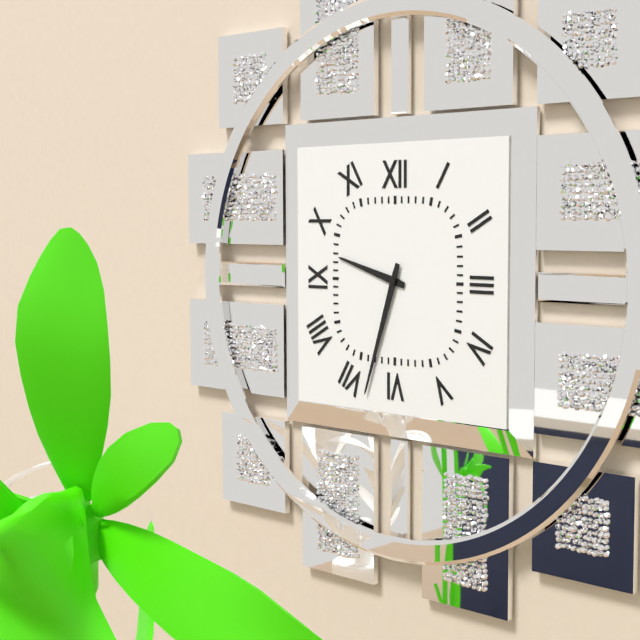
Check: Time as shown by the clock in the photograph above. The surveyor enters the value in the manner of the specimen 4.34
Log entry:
9.33
